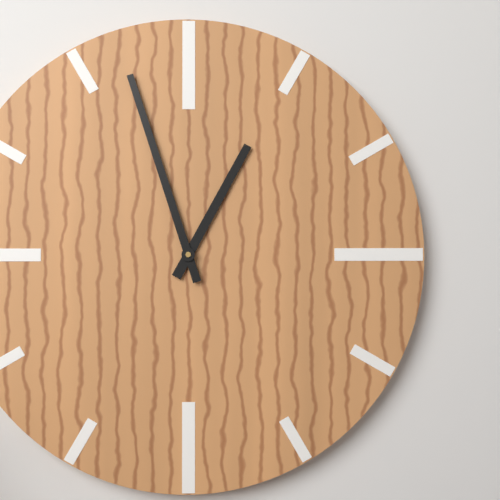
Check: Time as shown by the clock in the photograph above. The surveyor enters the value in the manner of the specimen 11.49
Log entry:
12.57
